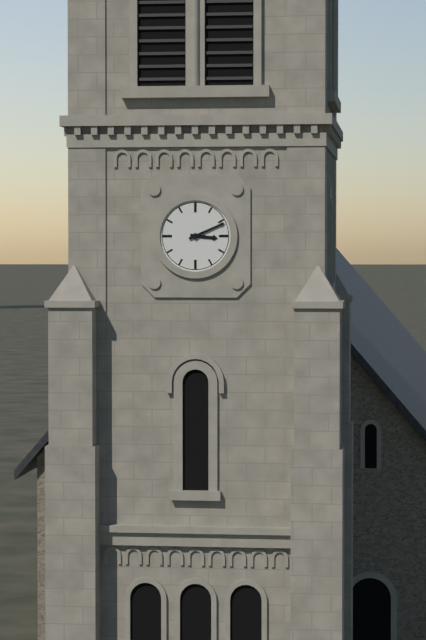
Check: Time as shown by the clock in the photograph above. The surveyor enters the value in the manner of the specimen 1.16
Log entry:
3.11
